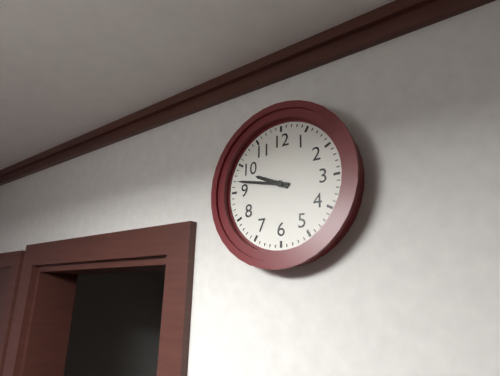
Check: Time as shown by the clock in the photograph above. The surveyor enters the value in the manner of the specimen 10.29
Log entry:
9.47
